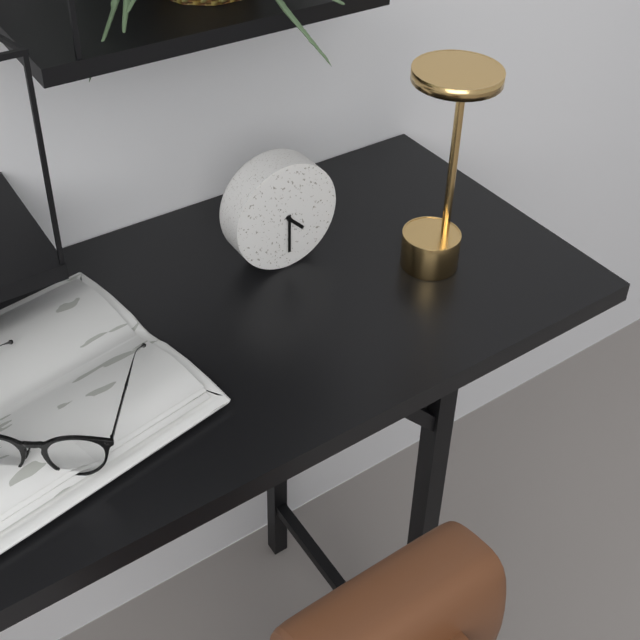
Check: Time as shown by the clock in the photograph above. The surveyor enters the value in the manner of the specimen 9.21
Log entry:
4.30
